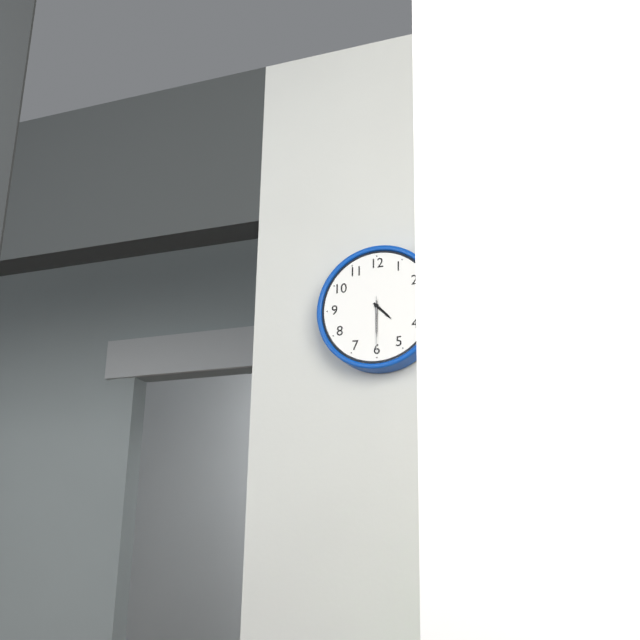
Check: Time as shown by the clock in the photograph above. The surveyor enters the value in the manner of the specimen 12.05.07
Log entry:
4.30.30
